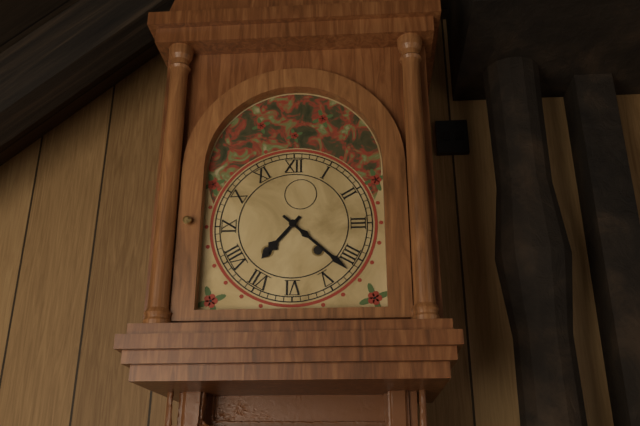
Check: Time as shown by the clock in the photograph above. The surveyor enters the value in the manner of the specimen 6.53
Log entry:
7.22
